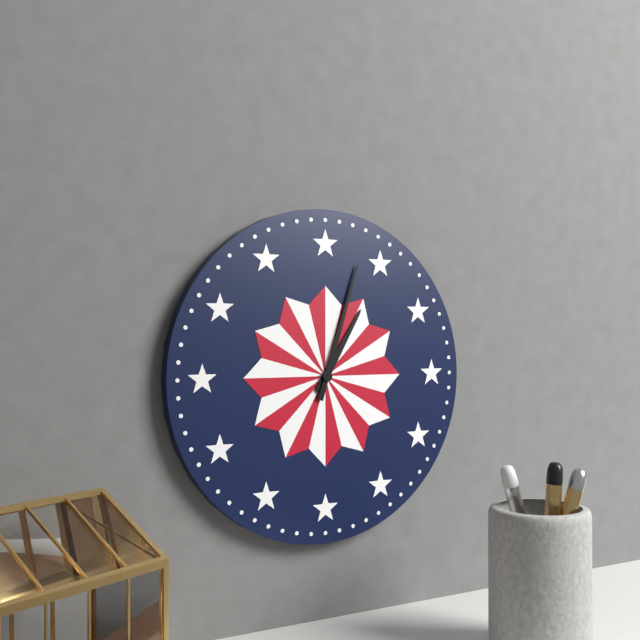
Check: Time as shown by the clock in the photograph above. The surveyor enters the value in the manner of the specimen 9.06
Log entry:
1.03
